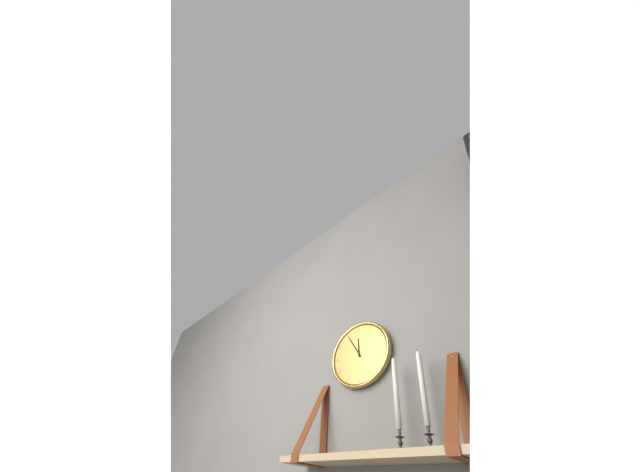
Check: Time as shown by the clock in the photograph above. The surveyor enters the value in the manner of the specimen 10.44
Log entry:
11.55
